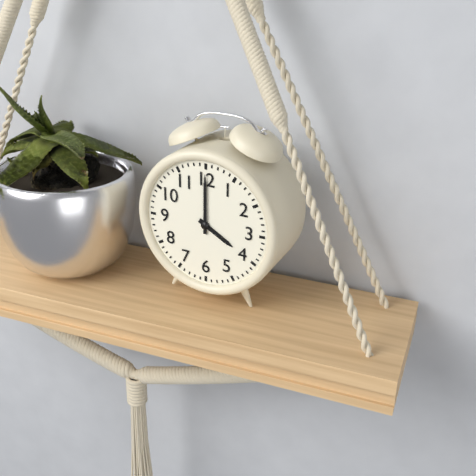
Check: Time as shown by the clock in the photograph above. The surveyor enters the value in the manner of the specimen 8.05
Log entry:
4.00
